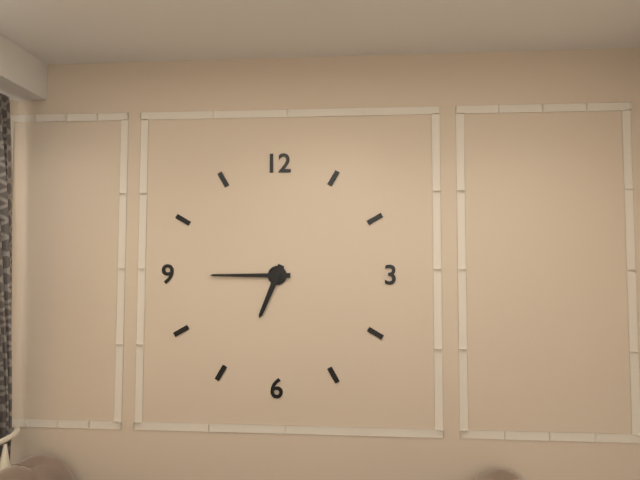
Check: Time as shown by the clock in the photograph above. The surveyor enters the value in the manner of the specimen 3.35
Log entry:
6.45
